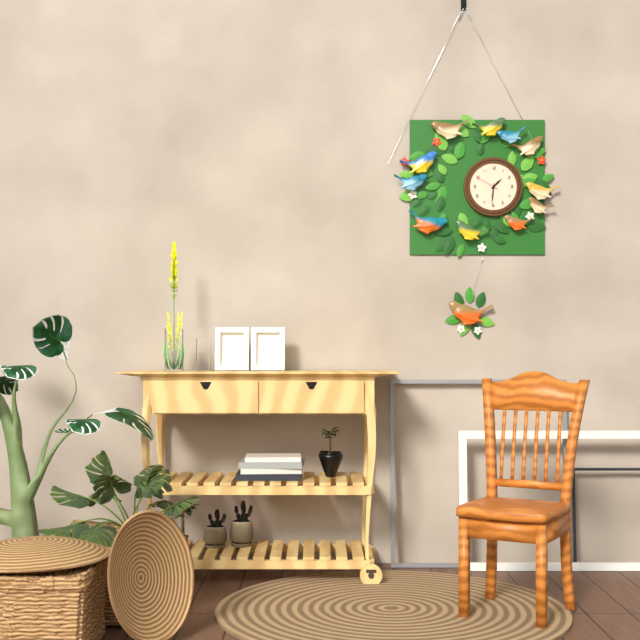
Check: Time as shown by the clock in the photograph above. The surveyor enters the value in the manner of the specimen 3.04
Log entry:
1.31
